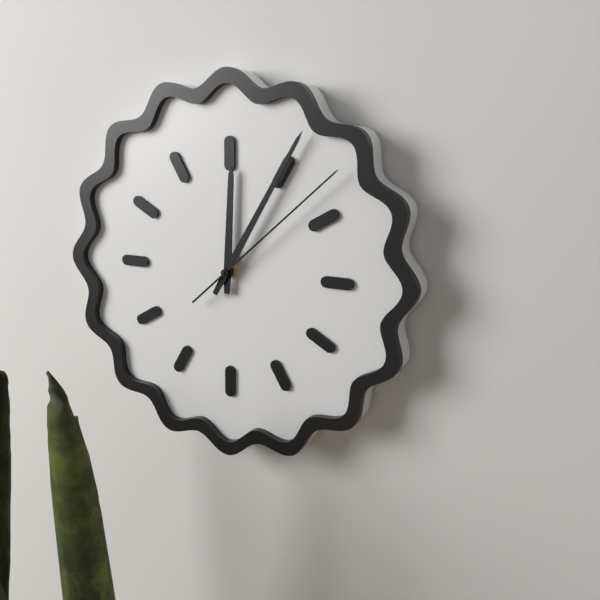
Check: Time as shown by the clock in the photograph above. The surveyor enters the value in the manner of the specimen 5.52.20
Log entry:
12.05.08
